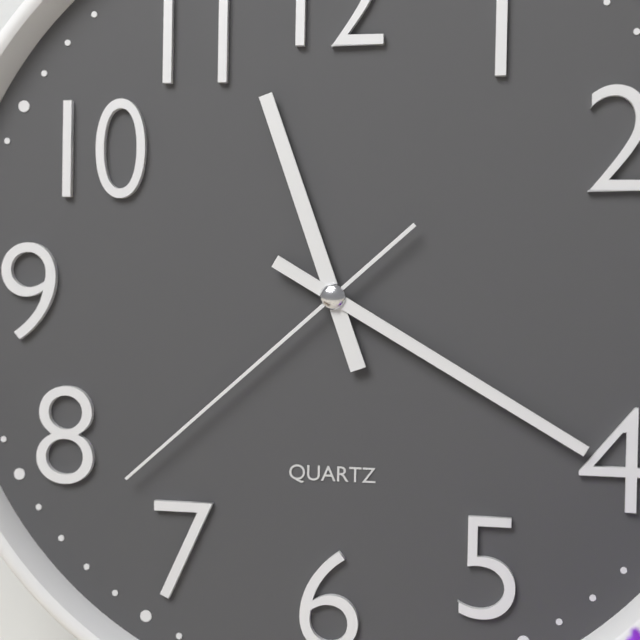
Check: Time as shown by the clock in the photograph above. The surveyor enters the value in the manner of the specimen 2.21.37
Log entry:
11.20.38
